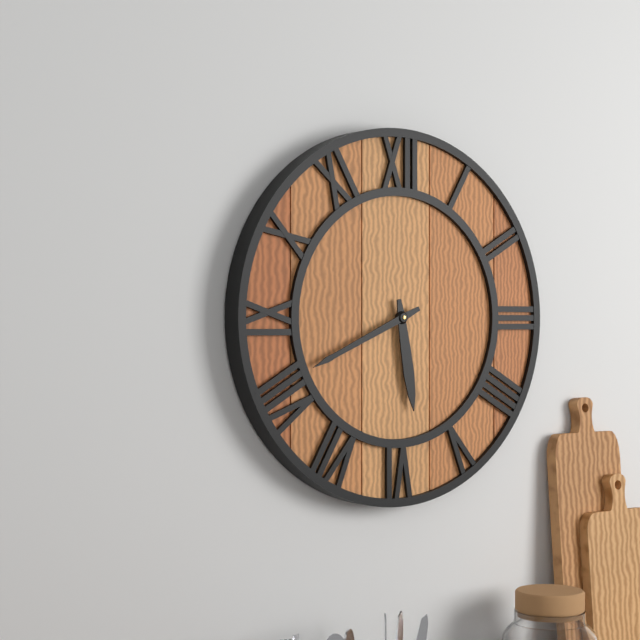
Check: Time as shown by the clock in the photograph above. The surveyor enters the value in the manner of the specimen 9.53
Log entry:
5.41
